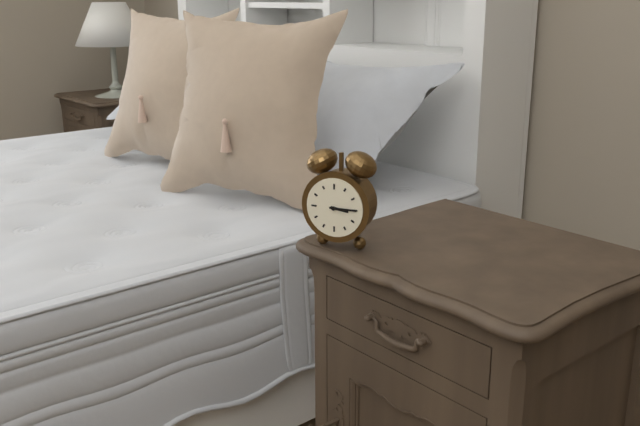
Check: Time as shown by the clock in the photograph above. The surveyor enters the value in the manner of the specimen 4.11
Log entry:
3.15
